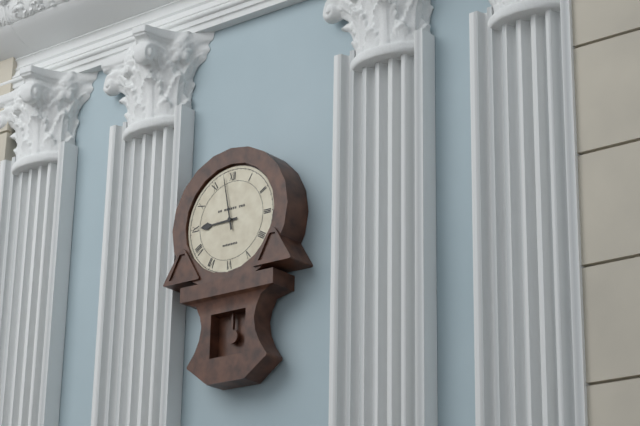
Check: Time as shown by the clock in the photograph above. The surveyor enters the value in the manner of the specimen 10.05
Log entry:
8.58
